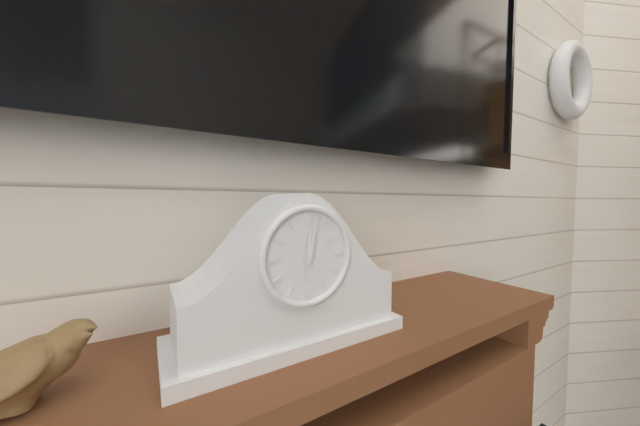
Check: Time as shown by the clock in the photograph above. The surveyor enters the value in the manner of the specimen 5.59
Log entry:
12.02
